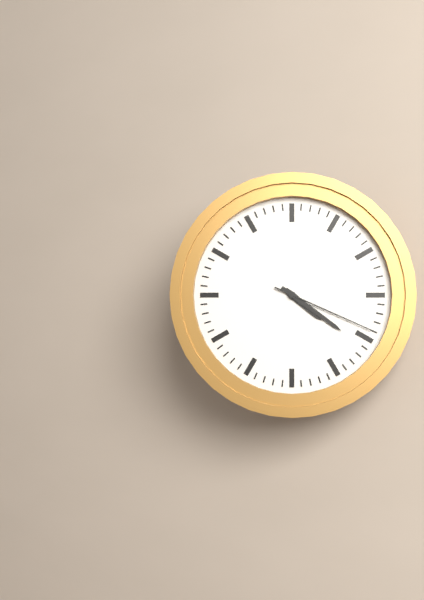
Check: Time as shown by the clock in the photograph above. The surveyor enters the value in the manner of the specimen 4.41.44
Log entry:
4.21.19
